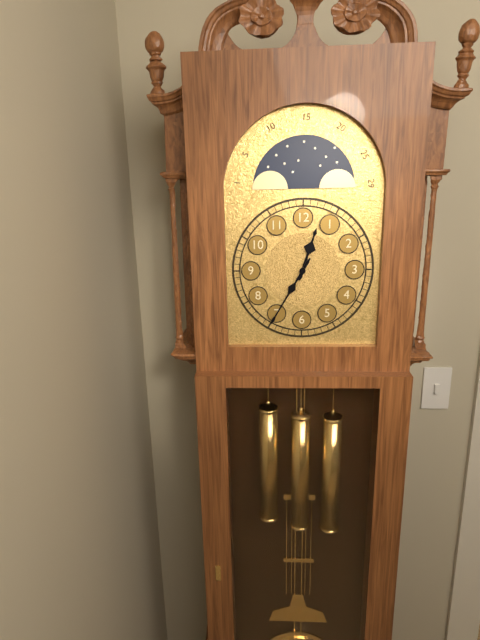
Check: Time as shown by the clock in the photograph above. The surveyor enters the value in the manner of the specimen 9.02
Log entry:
12.35
